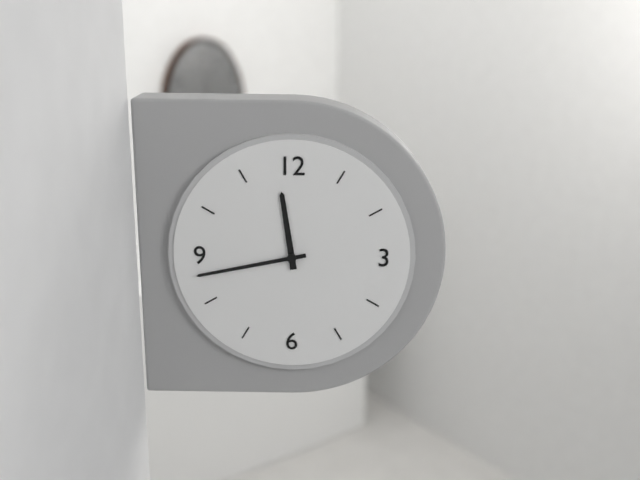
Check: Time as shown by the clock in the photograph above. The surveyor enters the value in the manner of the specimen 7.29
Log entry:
11.43
